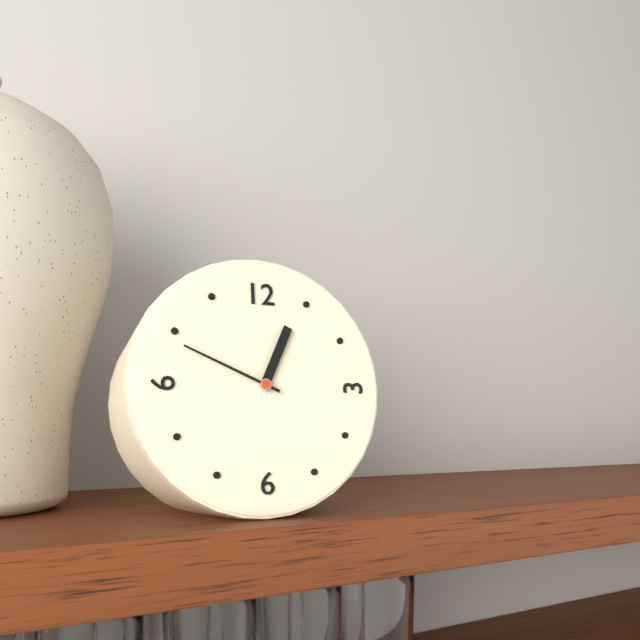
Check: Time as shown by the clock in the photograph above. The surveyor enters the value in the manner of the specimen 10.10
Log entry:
12.49
